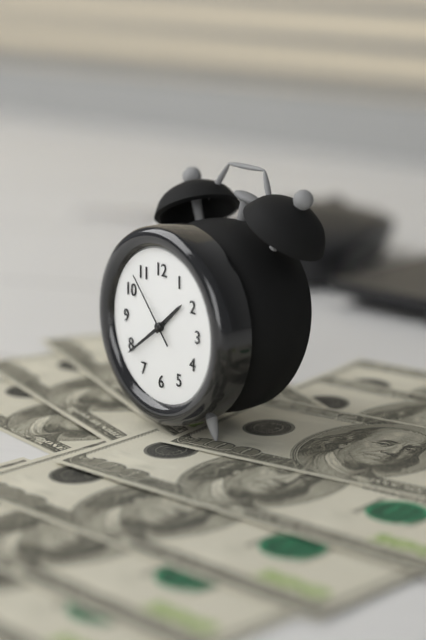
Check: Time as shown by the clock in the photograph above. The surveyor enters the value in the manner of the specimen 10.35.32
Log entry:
1.39.53
